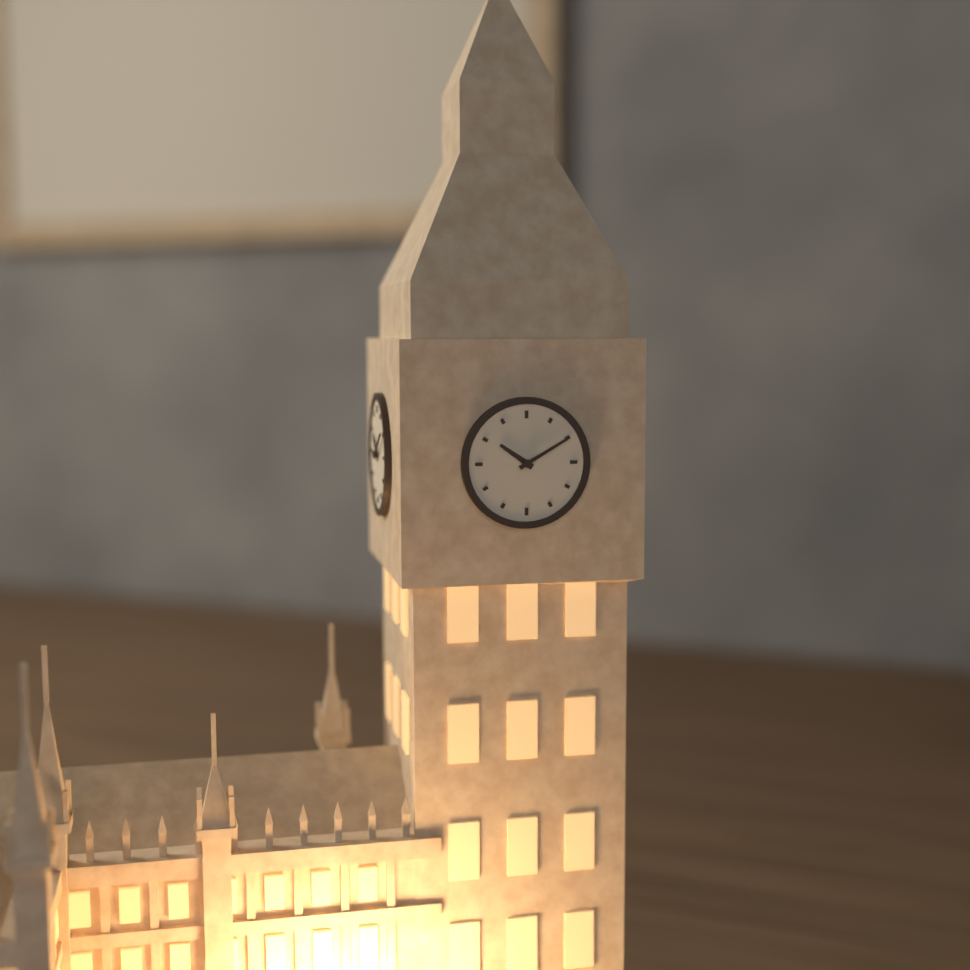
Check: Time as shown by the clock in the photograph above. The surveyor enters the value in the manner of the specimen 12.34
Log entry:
10.10
